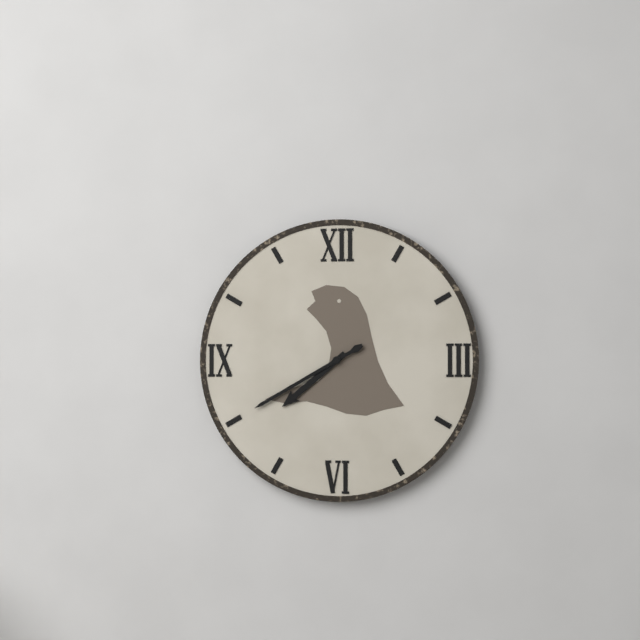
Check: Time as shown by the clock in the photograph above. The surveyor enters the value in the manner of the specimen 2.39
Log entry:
7.40
